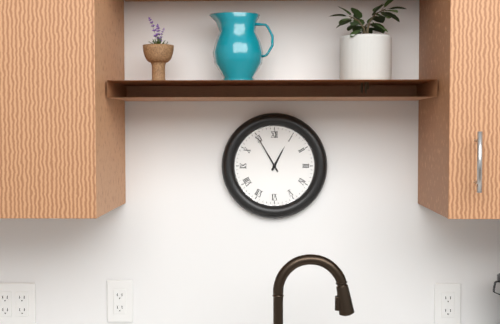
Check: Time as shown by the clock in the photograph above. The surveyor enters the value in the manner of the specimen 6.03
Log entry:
12.55
